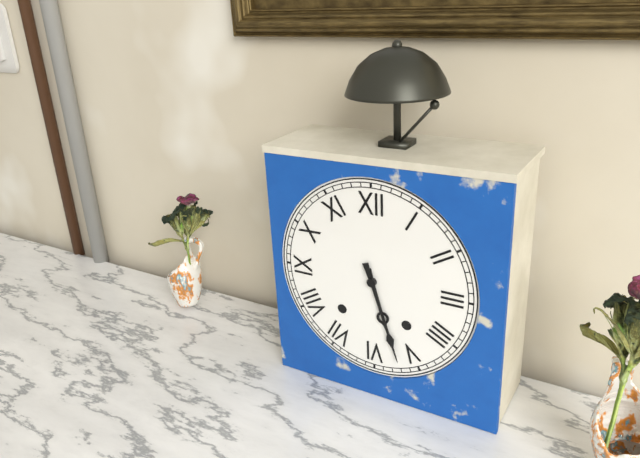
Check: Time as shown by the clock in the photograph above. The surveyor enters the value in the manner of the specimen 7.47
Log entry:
5.27
